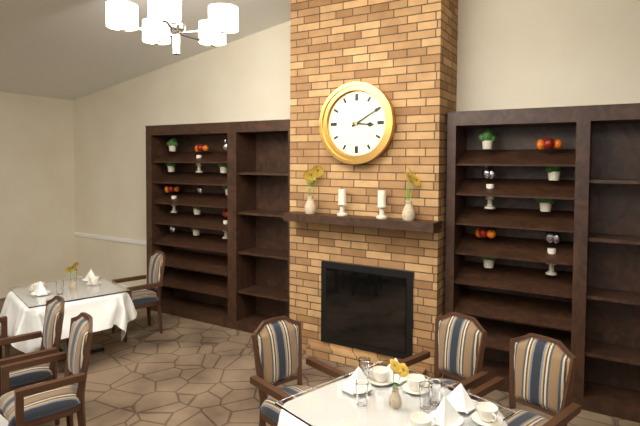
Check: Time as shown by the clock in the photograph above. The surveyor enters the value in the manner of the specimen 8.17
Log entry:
3.10
